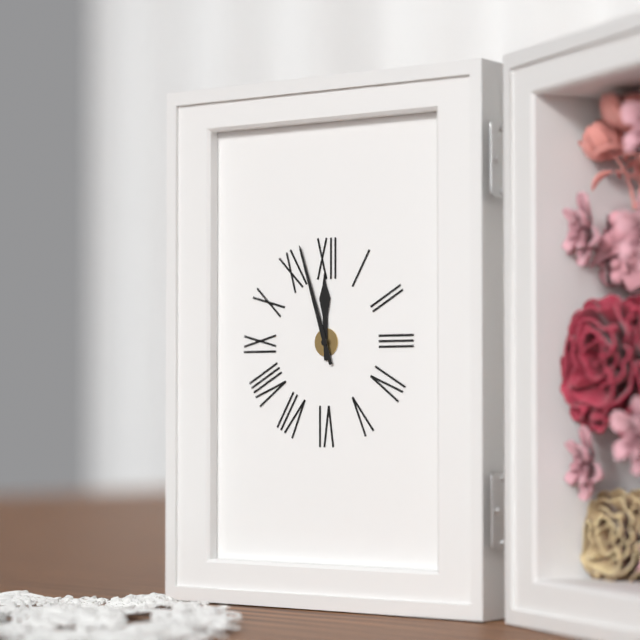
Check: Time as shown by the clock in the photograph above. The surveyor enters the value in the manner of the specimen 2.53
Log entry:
11.57
